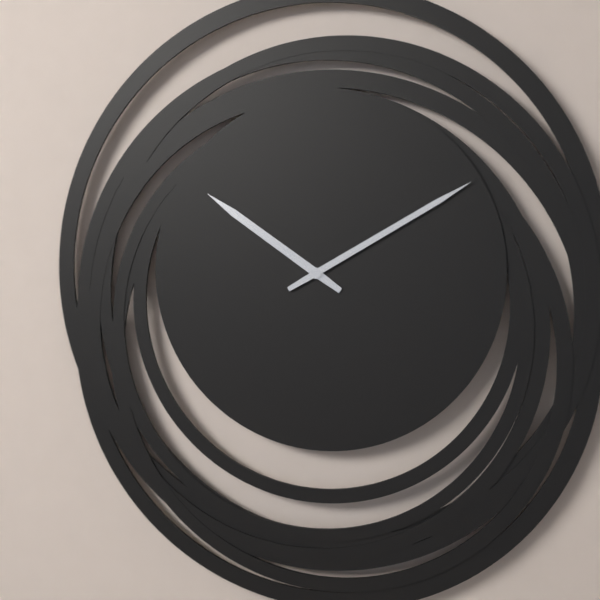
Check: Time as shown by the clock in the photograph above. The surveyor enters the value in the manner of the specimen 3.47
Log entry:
10.10
